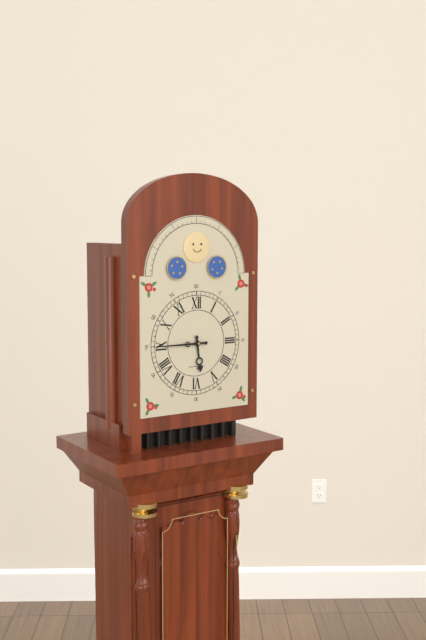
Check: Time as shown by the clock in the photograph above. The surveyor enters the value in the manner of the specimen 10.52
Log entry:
5.45
